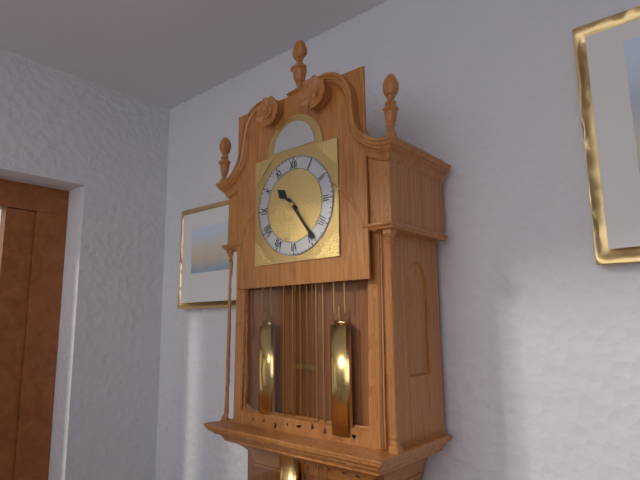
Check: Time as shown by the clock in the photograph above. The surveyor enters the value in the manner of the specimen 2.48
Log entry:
10.24
